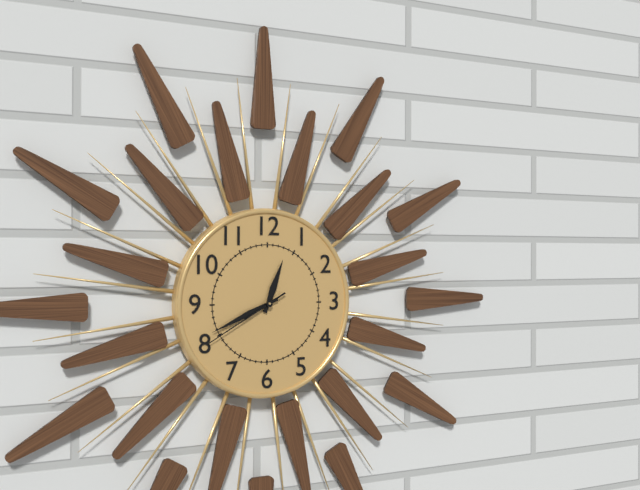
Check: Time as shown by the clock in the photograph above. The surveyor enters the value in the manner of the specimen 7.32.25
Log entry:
12.41.40
